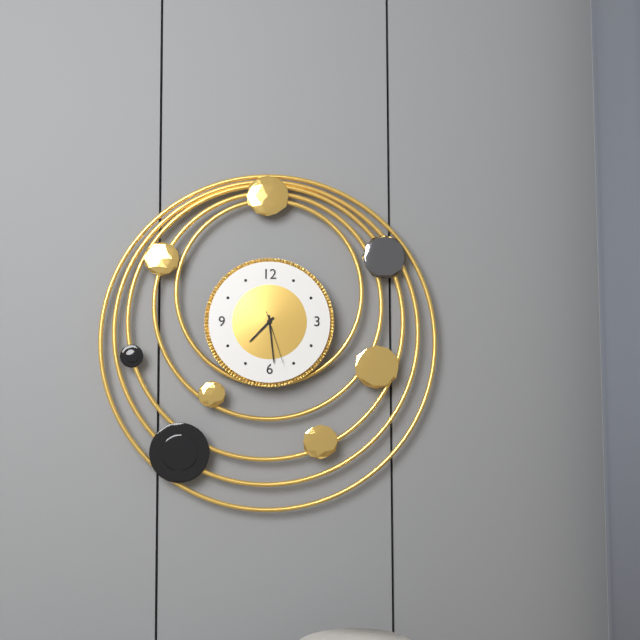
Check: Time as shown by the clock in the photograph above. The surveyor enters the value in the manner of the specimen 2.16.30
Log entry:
7.29.27
